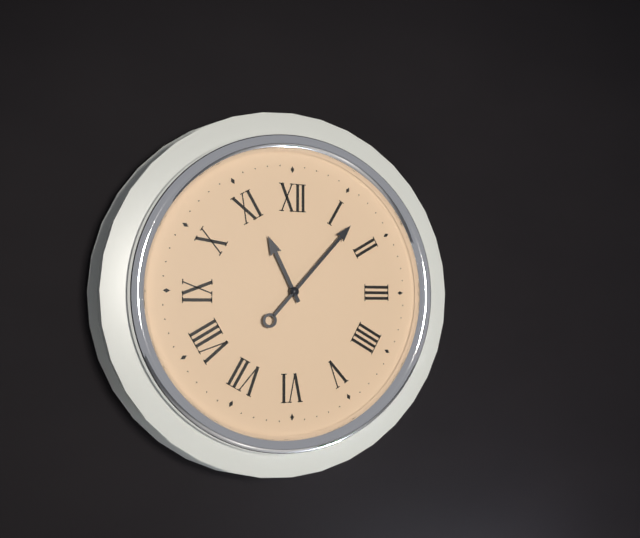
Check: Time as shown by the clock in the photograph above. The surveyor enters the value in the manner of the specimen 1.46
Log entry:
11.07
